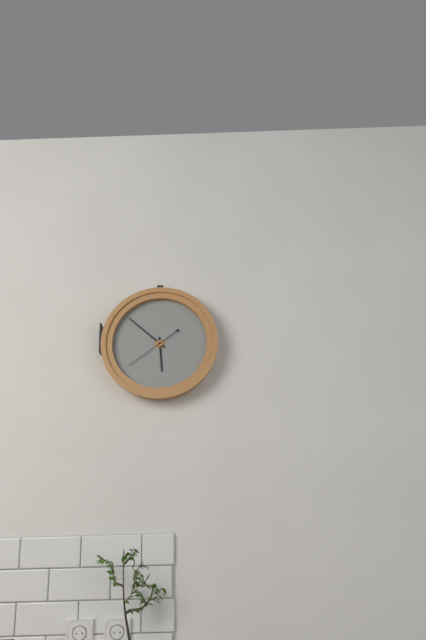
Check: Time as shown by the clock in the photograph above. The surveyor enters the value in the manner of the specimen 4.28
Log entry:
5.52
